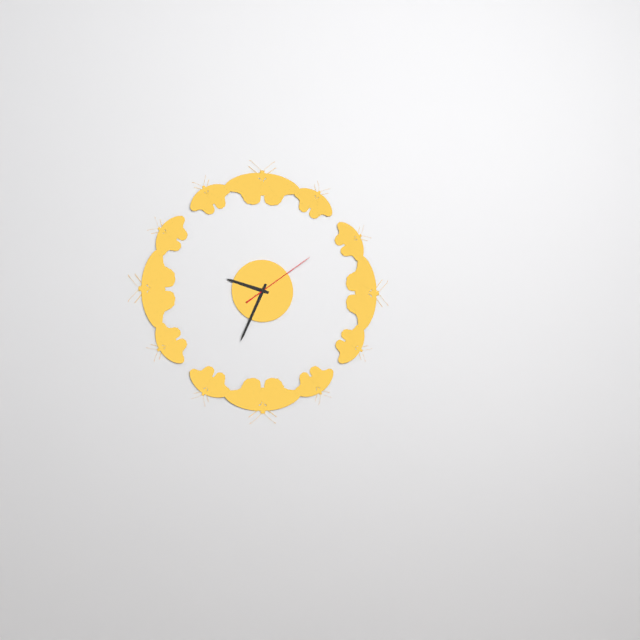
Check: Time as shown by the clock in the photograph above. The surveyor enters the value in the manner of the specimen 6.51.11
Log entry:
9.34.09
